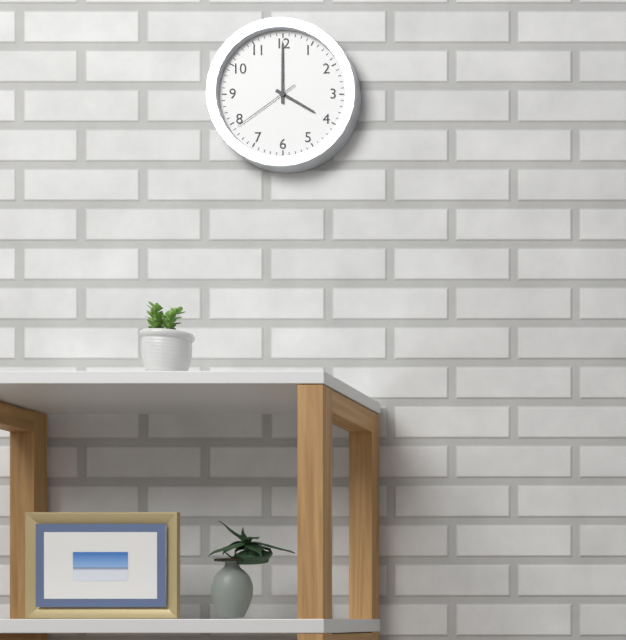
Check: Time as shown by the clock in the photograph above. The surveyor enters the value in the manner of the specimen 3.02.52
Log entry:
4.00.39
